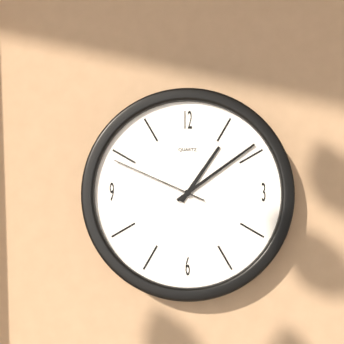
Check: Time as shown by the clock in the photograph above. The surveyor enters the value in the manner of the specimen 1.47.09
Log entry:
1.09.49
